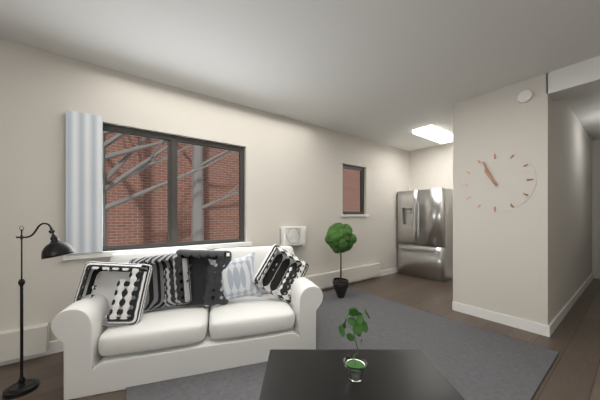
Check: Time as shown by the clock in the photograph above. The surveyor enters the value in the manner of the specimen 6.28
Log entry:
10.56
